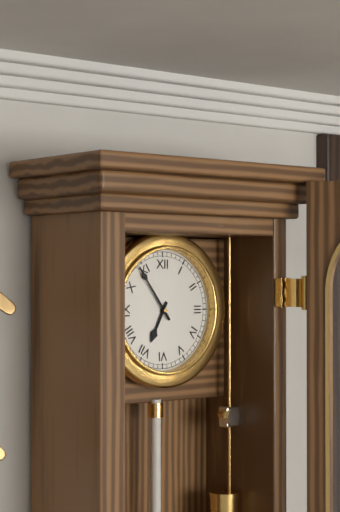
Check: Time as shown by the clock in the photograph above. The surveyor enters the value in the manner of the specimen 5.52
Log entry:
6.54
